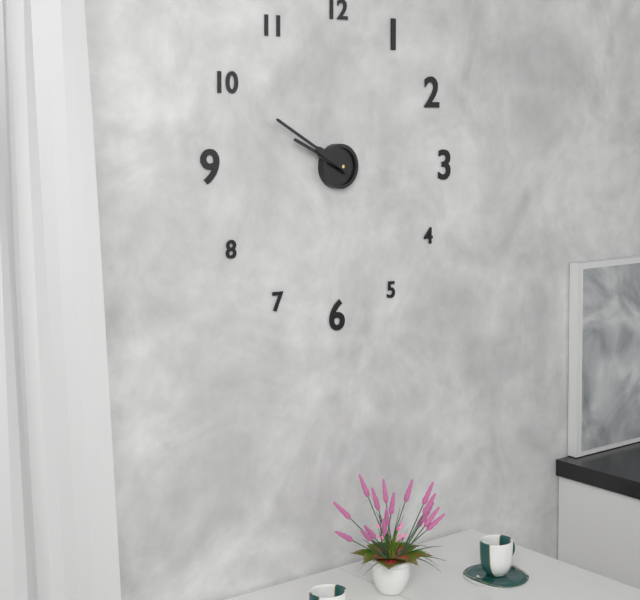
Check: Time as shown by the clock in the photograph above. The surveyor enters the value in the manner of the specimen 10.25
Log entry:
9.50
